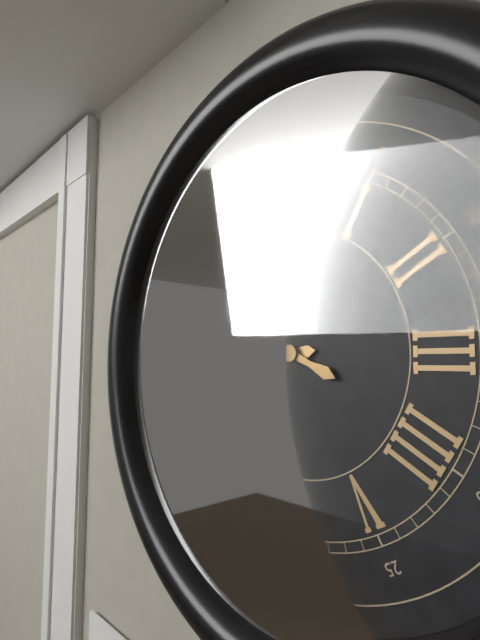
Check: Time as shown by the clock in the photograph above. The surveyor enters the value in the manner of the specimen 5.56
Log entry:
8.49
